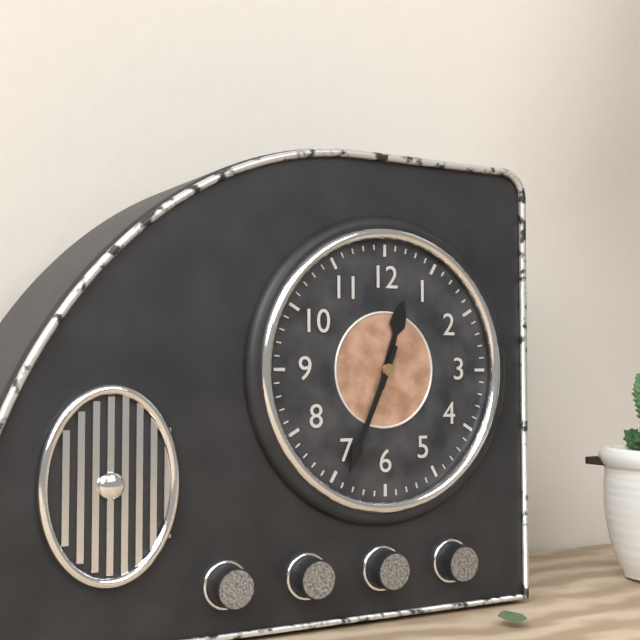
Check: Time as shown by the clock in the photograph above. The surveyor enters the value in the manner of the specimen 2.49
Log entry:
12.34
